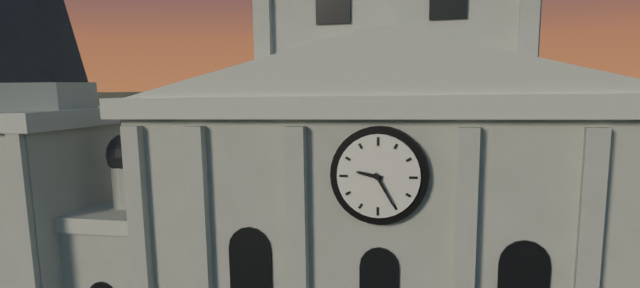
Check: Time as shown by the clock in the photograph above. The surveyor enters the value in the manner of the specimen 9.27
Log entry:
9.25
